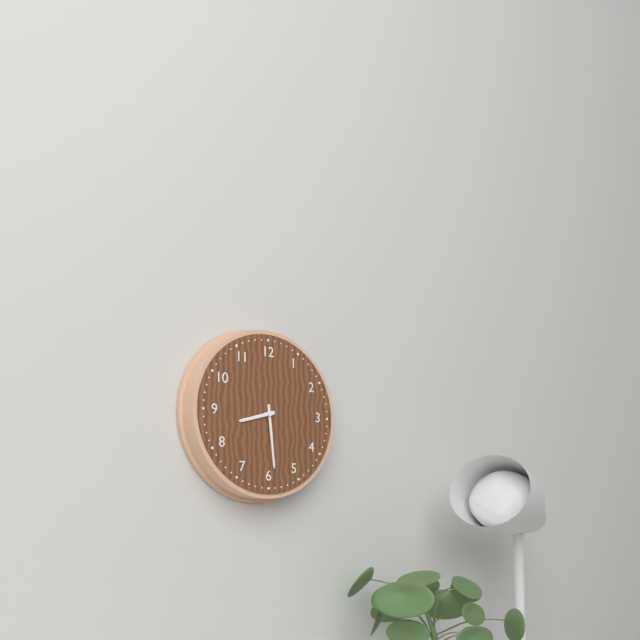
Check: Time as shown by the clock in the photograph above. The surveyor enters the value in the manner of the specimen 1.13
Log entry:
8.29
